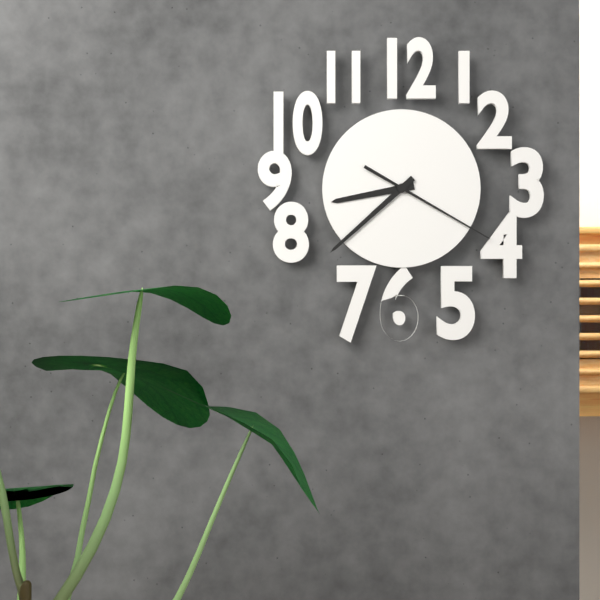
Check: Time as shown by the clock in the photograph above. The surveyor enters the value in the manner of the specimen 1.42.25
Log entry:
8.38.20
